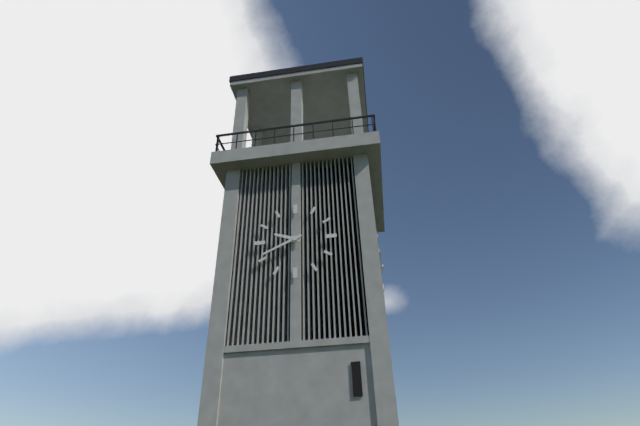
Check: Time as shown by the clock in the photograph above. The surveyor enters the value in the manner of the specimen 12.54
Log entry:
9.41
